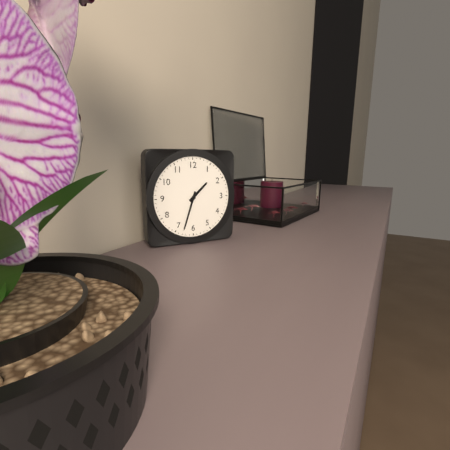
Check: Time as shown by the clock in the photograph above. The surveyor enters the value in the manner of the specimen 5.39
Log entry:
1.33
